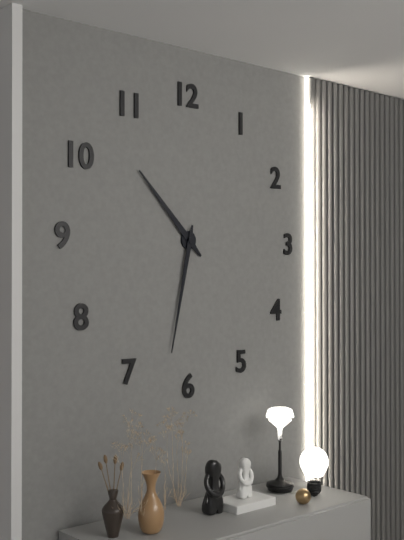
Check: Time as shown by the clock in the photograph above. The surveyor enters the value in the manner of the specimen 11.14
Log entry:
10.32
